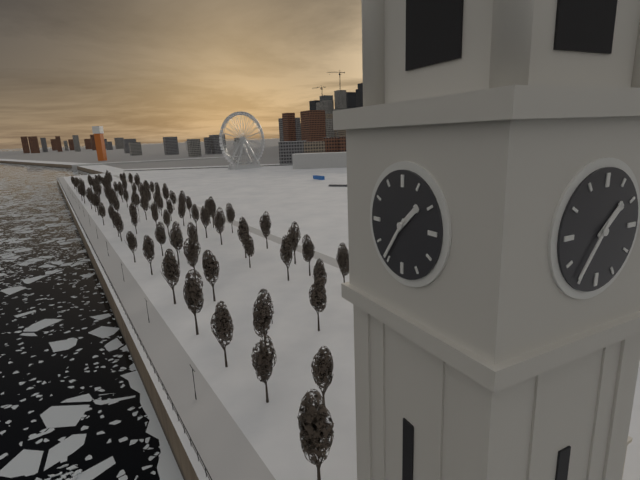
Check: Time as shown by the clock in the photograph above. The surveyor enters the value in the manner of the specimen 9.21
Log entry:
1.36
